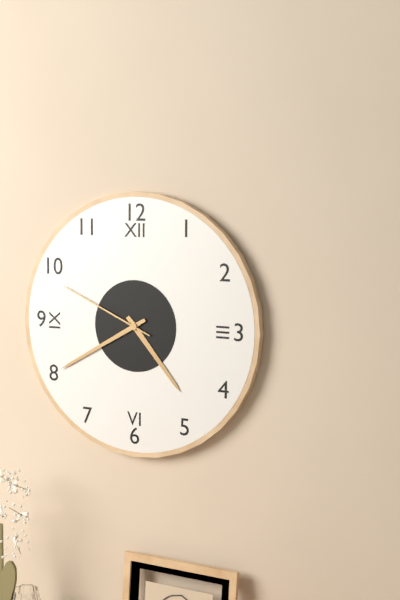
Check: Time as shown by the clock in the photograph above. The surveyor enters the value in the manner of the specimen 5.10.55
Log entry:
4.40.49
